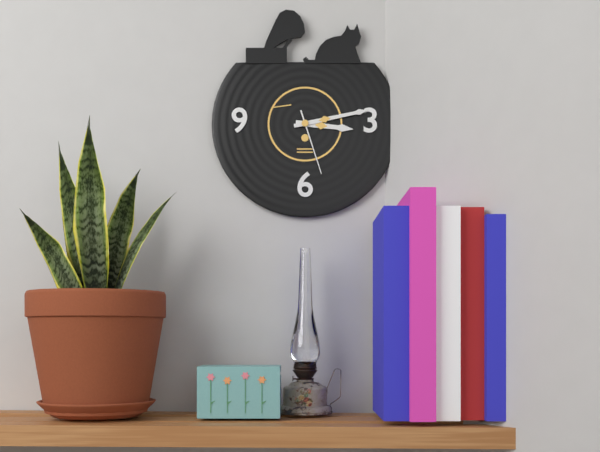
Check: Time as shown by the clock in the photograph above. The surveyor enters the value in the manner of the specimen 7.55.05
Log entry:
3.13.27
